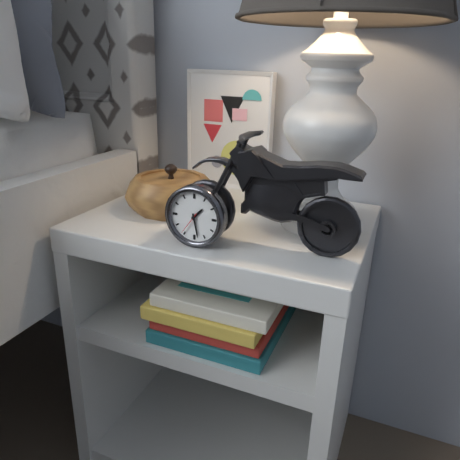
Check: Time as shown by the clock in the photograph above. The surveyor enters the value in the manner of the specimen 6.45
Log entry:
1.28
